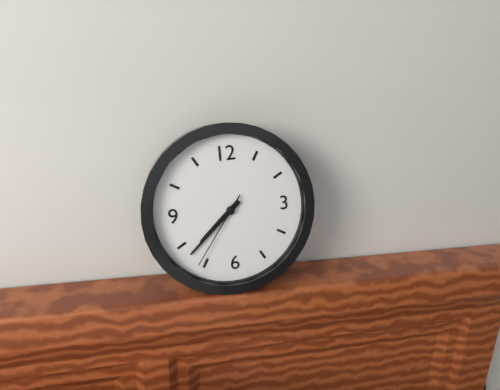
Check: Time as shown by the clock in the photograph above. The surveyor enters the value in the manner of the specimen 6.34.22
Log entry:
7.38.36
